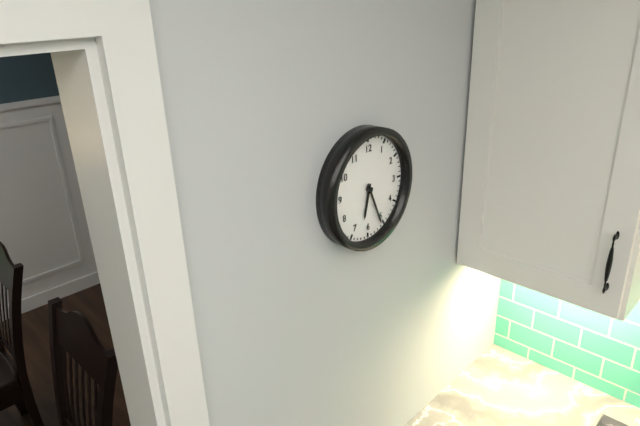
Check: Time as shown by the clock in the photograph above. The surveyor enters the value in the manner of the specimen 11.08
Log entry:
6.26
